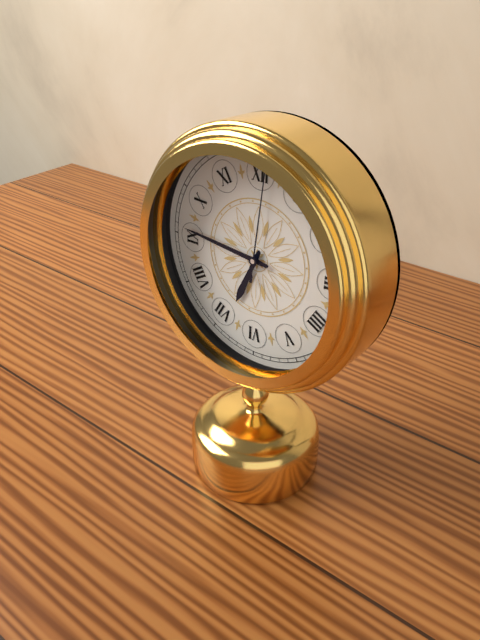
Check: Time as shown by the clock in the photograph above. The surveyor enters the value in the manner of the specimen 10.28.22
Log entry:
6.46.01
